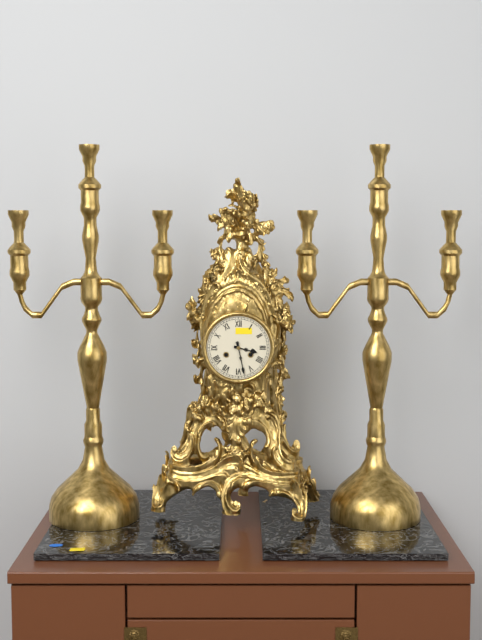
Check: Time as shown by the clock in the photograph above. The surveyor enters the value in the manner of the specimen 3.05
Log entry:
3.28
